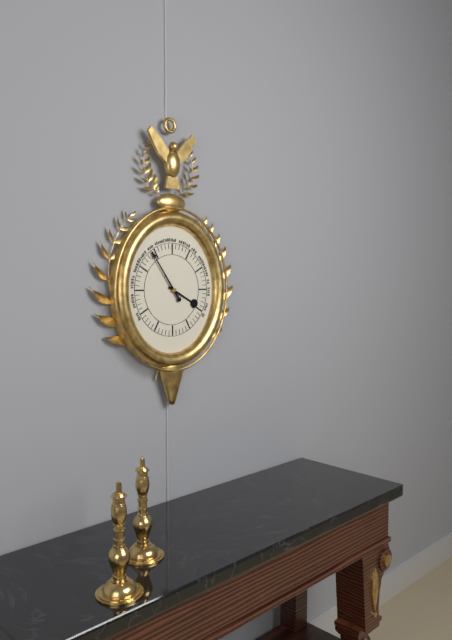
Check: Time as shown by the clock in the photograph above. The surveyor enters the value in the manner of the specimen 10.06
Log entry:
3.54
